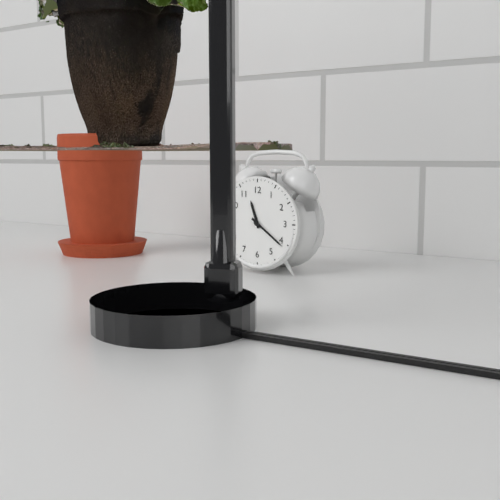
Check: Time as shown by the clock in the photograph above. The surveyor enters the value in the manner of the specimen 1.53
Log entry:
11.21
